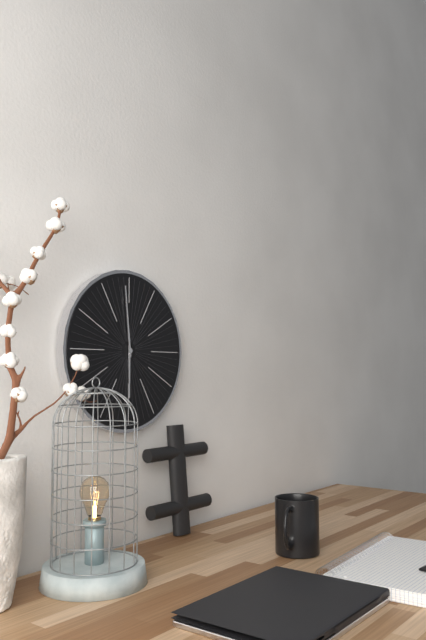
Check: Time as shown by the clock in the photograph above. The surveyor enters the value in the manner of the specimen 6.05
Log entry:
5.59
